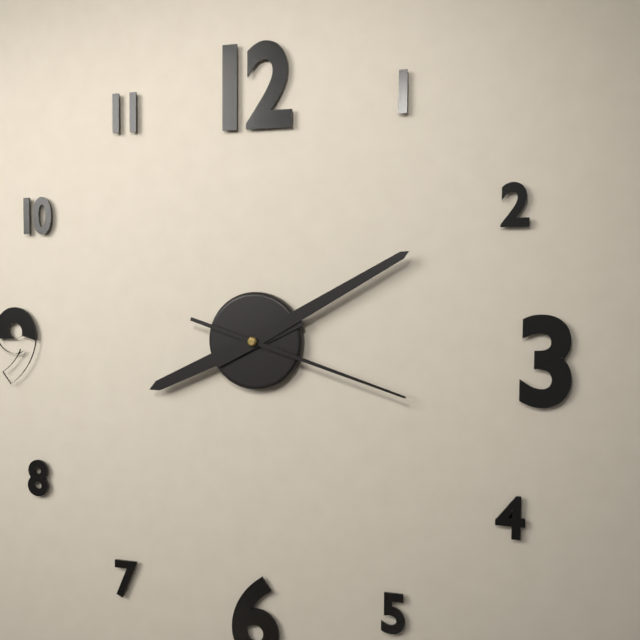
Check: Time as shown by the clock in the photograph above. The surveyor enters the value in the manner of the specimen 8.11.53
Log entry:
8.10.18
